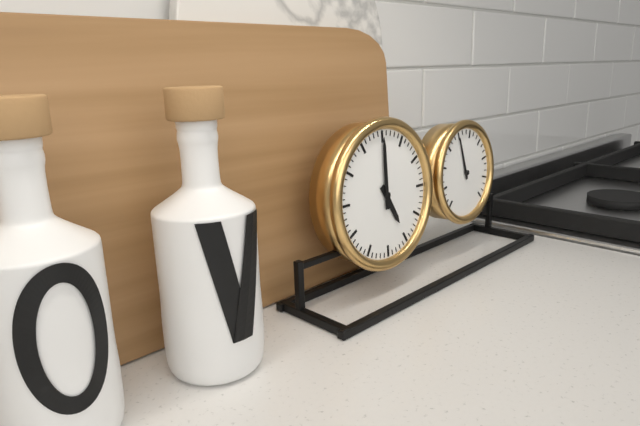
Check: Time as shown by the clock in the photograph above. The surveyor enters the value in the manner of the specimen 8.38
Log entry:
5.00
